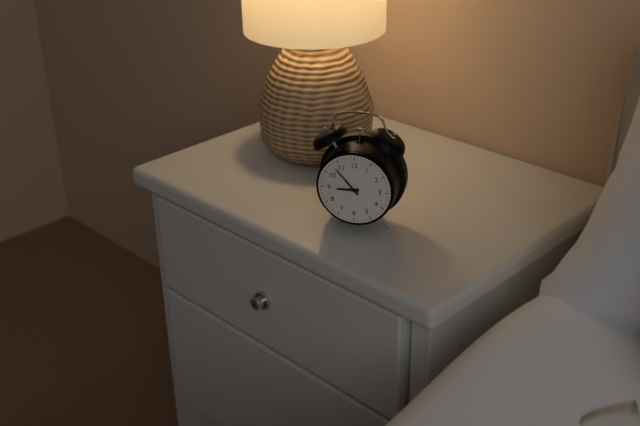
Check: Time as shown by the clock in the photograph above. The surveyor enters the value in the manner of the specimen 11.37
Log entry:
8.53
